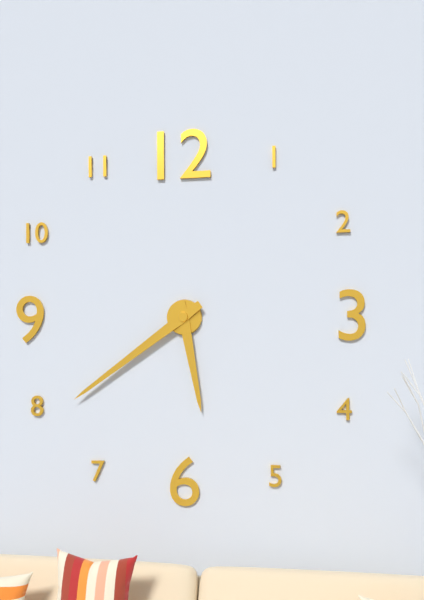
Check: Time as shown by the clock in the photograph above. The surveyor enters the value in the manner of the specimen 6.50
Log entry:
5.39
